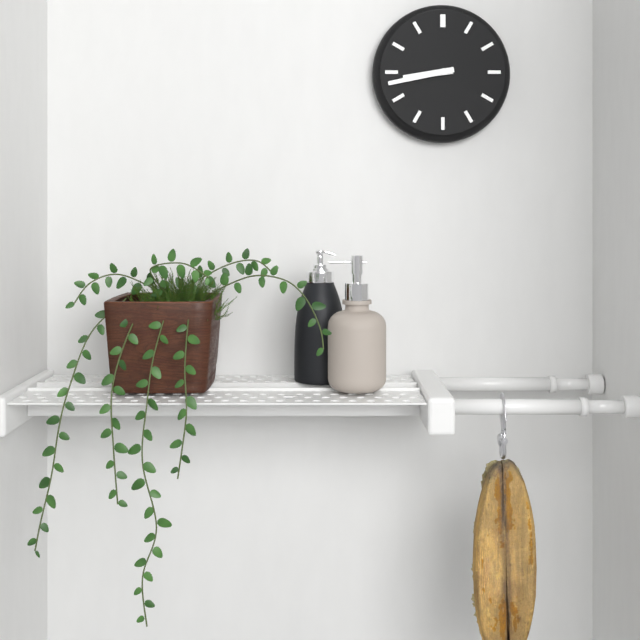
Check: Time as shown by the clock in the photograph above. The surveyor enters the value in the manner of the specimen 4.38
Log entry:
8.43
